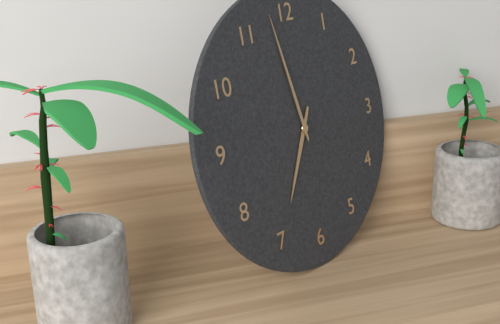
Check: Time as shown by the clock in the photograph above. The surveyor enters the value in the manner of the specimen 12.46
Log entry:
6.58
